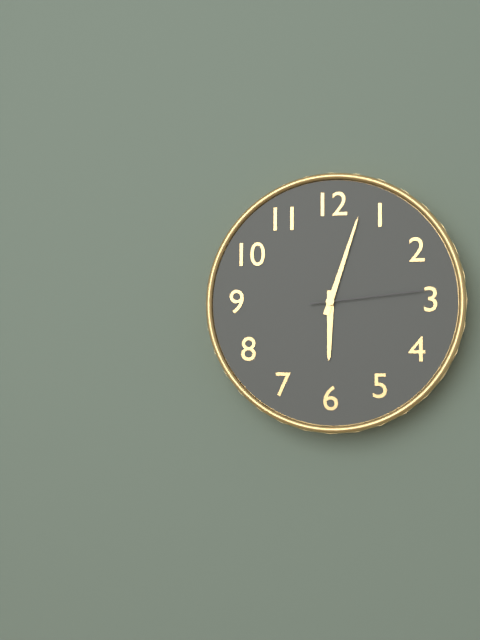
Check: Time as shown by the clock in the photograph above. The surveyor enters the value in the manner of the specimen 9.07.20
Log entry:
6.03.14
